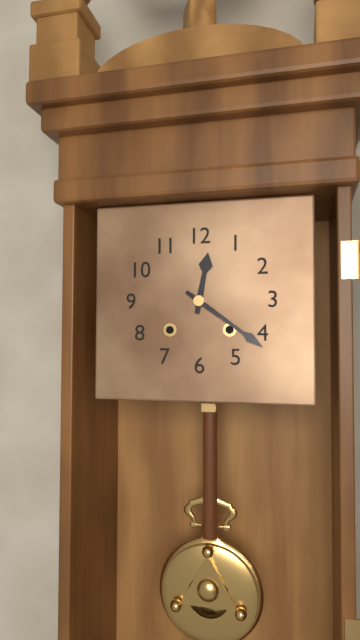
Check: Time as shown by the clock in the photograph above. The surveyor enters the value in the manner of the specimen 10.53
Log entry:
12.21
